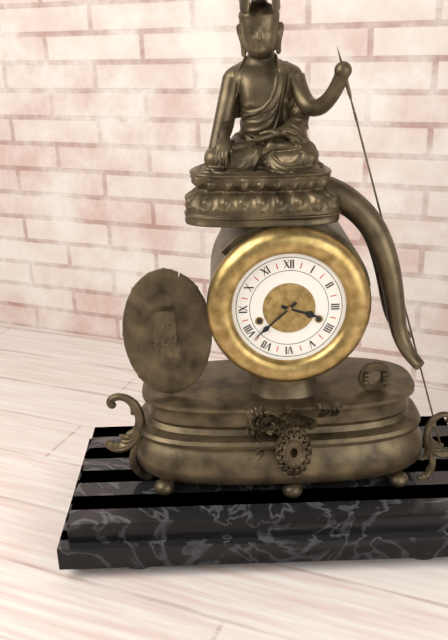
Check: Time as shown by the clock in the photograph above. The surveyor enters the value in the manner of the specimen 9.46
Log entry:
3.38
